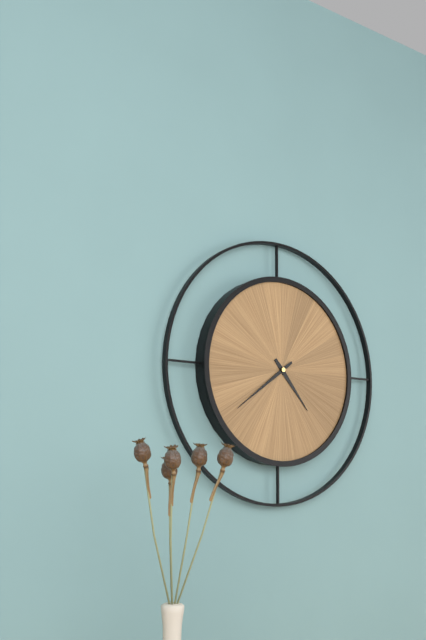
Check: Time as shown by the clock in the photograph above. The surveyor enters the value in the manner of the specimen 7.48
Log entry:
4.39
